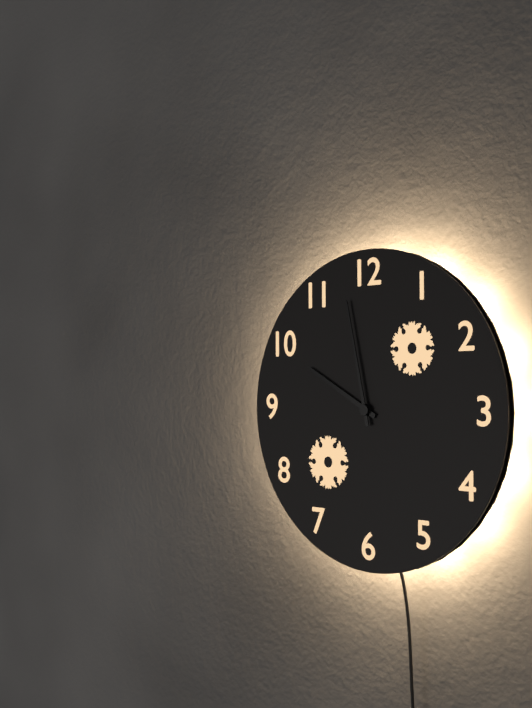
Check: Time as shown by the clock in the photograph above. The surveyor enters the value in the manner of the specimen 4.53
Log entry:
9.58
